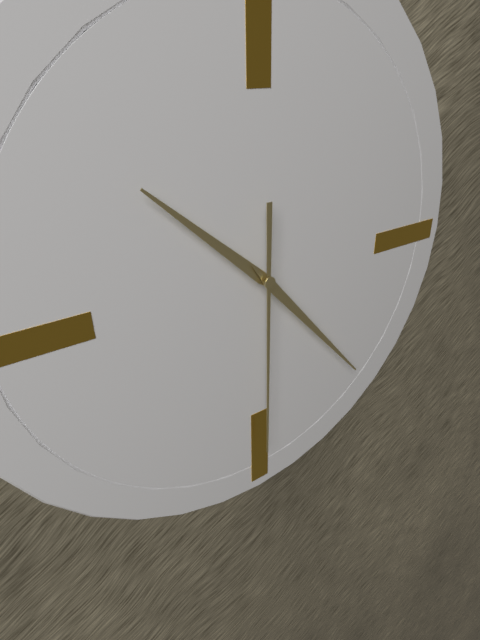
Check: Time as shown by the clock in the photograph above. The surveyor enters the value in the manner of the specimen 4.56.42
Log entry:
10.23.30
